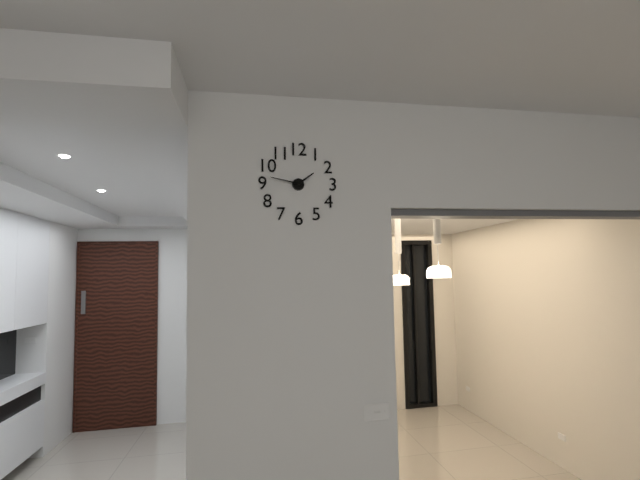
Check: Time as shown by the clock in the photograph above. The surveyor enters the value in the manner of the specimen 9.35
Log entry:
1.47
